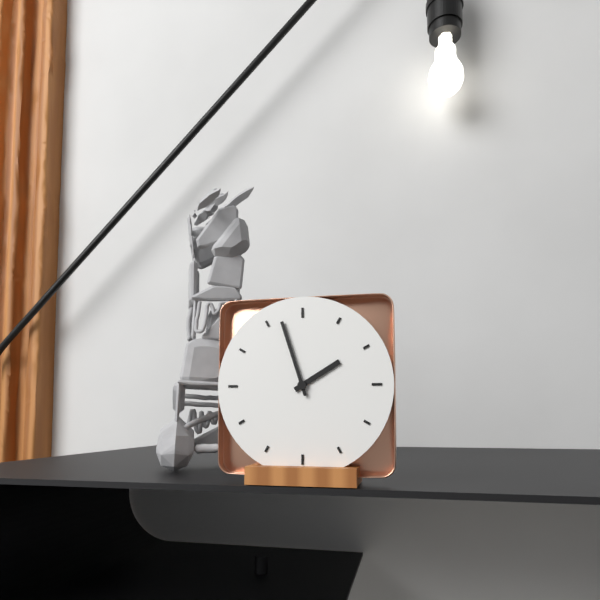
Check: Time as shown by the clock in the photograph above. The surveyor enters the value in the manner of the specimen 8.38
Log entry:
1.57
